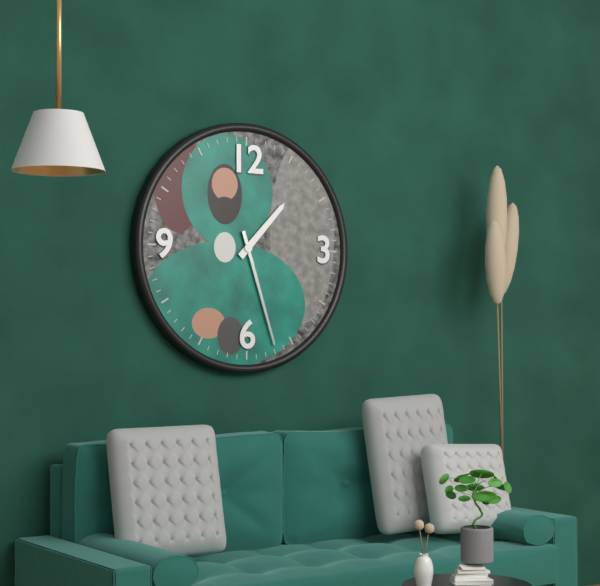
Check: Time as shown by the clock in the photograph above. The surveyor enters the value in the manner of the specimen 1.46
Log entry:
1.27
